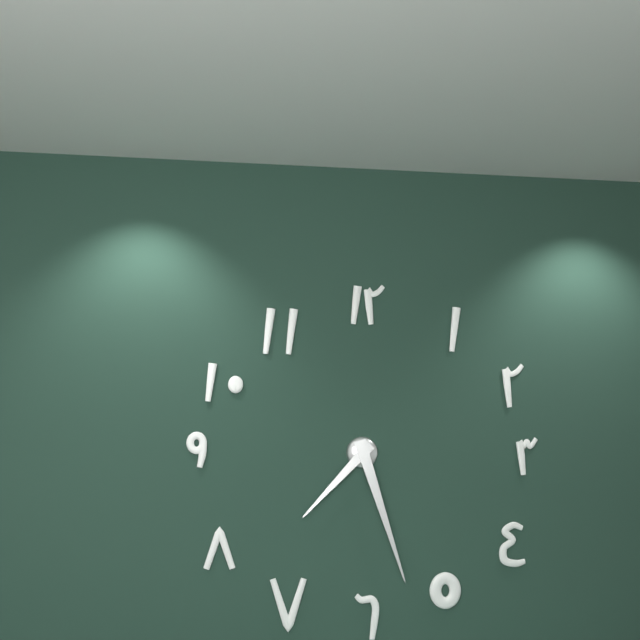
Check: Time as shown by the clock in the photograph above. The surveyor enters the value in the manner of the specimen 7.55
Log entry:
7.27
